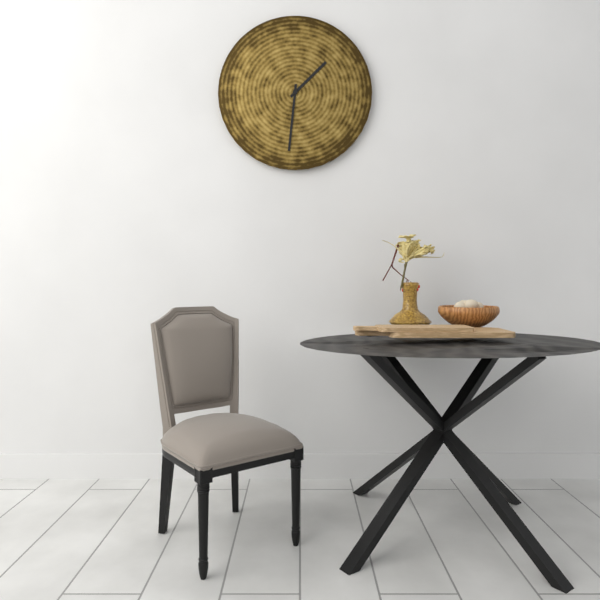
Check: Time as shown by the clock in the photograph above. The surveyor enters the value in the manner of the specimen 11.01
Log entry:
1.31
